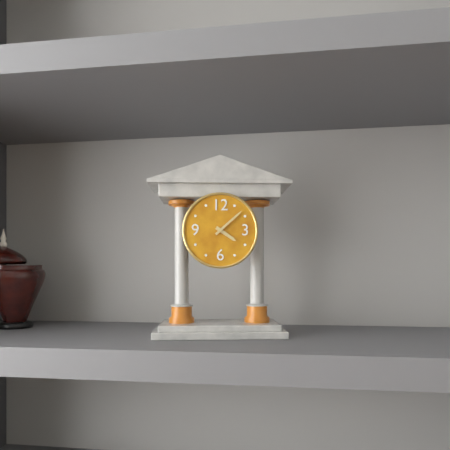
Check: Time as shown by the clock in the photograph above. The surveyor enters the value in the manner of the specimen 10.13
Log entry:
4.08
